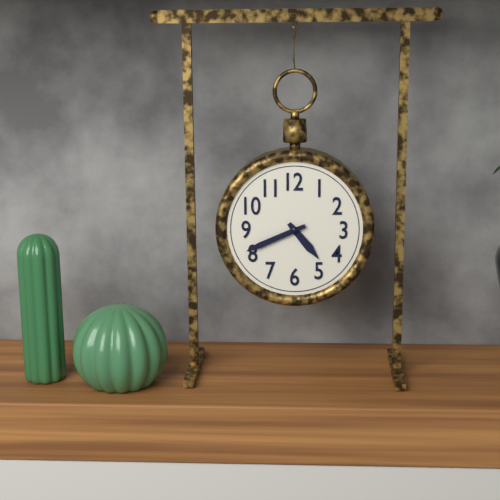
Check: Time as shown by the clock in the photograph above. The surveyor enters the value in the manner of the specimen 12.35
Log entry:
4.41
